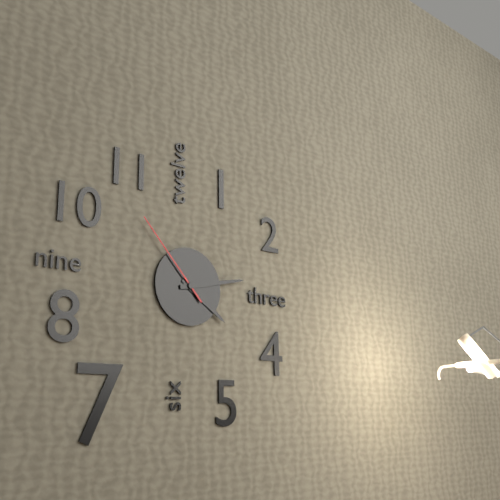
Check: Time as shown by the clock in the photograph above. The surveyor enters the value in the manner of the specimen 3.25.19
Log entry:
4.13.53
